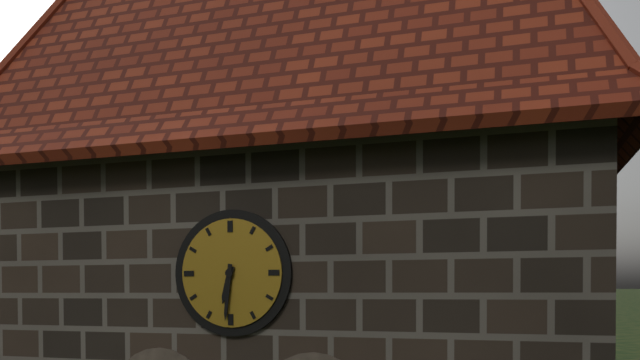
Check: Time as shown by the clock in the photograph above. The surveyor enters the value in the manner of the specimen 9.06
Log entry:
6.31
